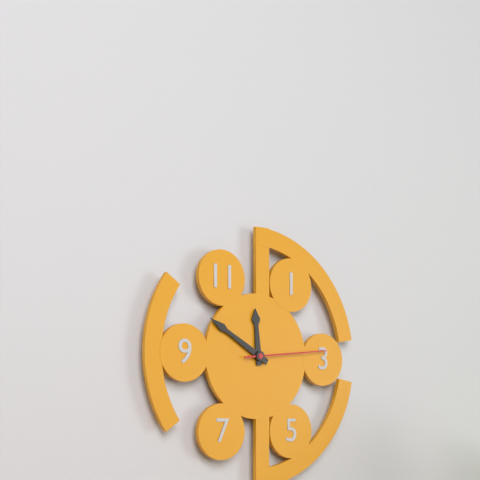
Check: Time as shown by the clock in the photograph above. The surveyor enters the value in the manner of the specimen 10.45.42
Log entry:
11.50.14
